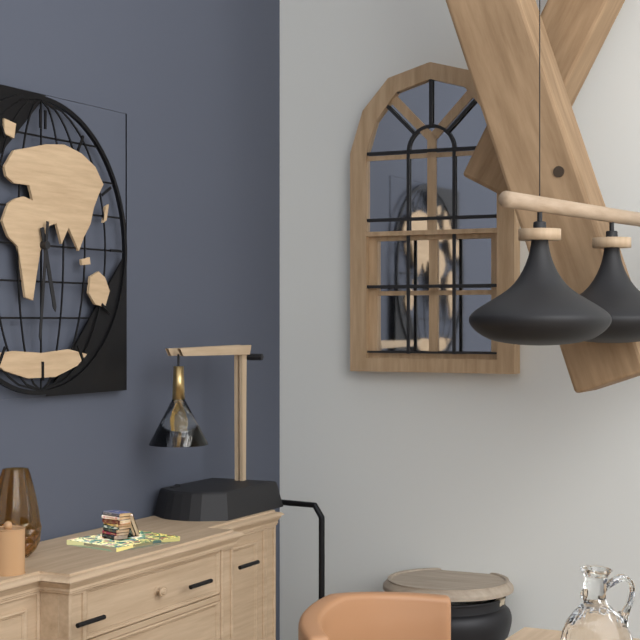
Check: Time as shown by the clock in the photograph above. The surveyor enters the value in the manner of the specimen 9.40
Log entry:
5.31
